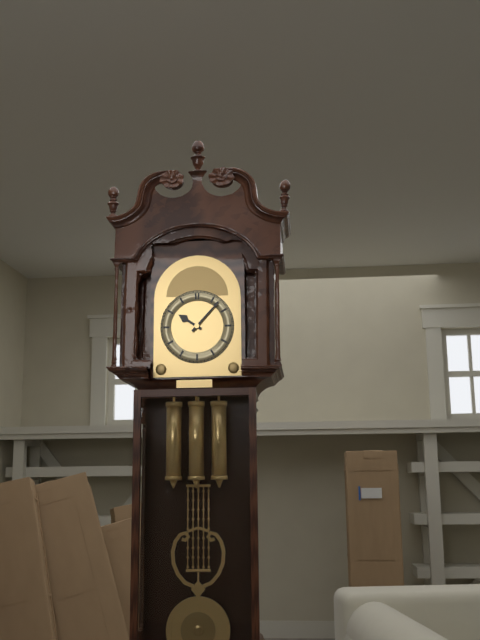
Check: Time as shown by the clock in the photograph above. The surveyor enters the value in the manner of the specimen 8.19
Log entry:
10.07
